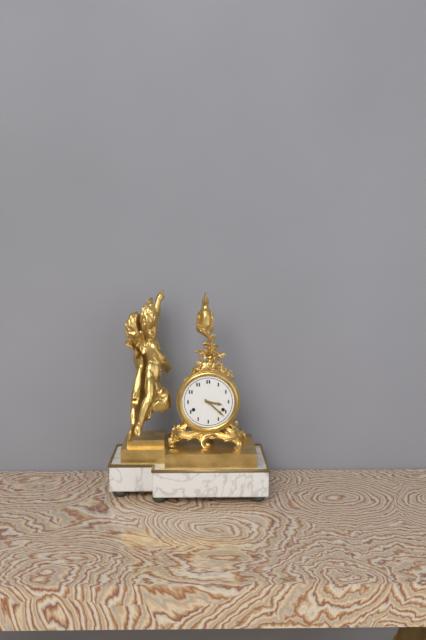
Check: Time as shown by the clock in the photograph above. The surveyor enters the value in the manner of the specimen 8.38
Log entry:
3.22
